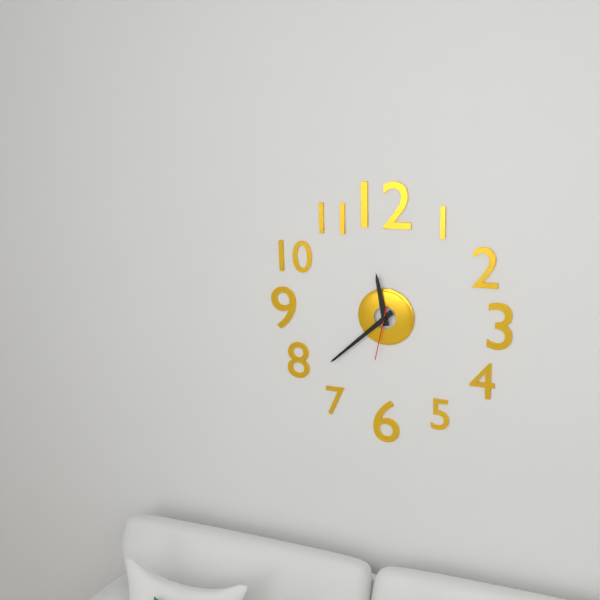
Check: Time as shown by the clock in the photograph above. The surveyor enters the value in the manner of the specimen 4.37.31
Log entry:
11.38.32
